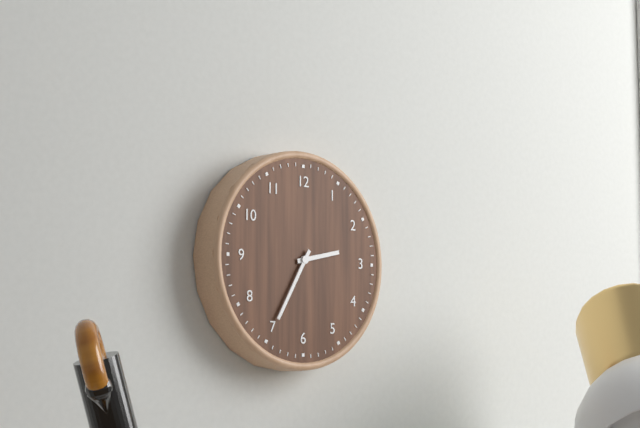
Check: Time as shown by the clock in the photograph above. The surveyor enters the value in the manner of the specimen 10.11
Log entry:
2.35
